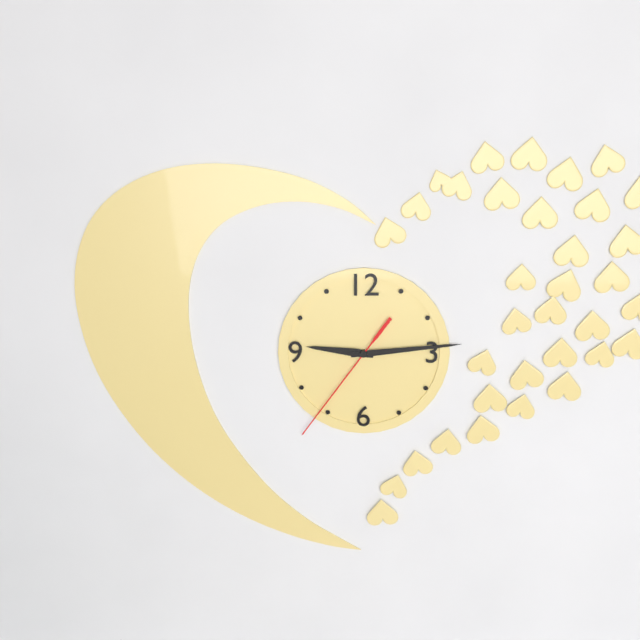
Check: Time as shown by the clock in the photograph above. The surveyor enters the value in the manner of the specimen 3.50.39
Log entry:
9.14.36
